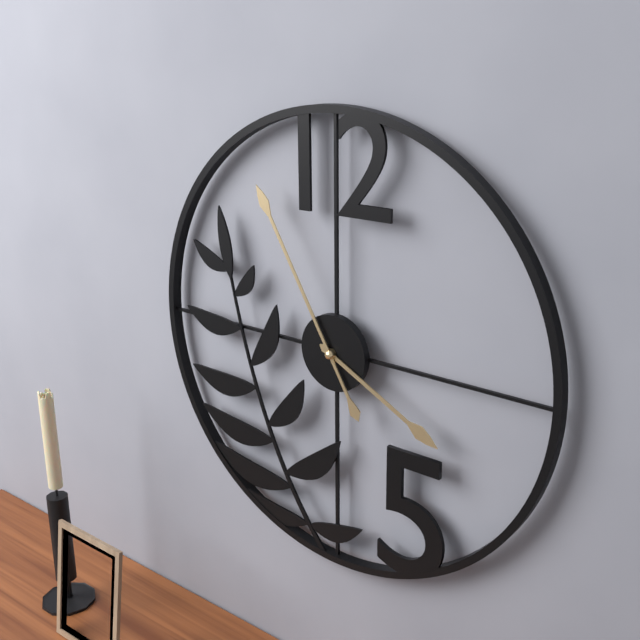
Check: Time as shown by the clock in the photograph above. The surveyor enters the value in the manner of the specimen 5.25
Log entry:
3.55
